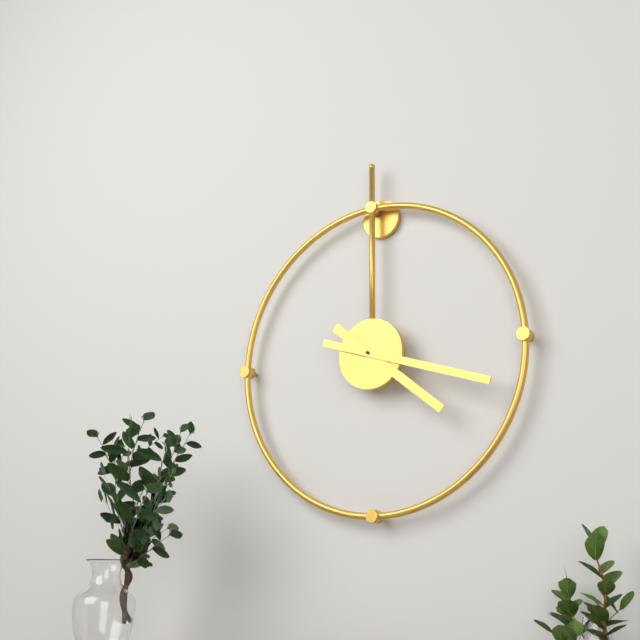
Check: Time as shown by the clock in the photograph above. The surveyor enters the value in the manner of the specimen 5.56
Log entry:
4.18
